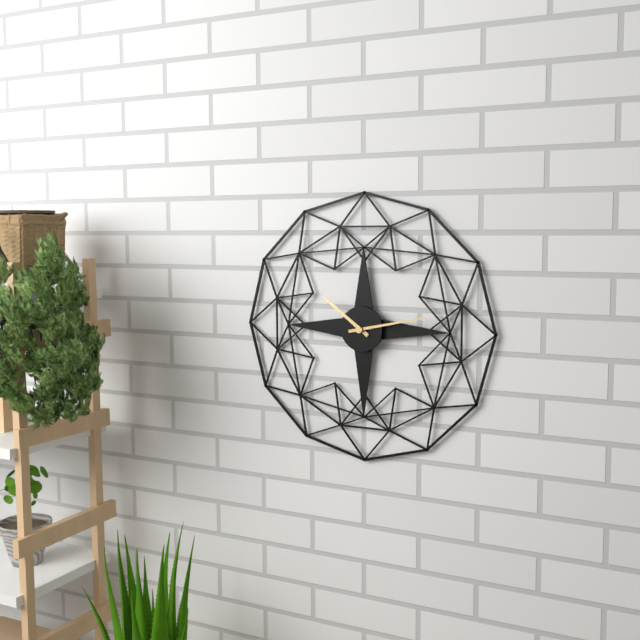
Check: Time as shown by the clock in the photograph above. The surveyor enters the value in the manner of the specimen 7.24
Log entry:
10.13
